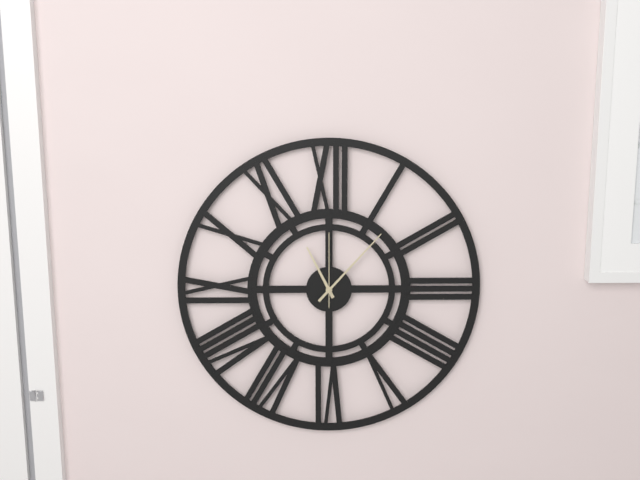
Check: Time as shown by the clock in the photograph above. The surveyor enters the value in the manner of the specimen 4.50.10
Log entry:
11.07.00
